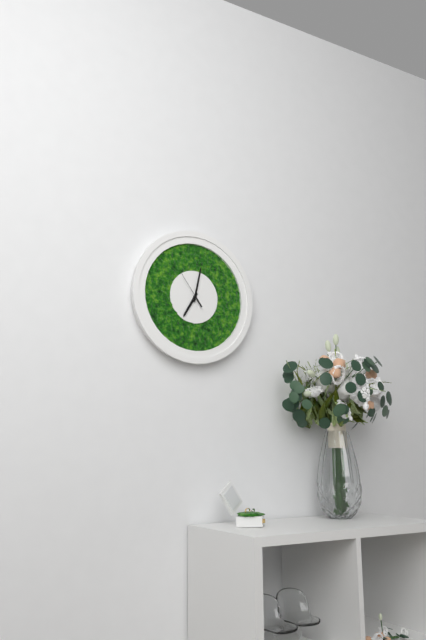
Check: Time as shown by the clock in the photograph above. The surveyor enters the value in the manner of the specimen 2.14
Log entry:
7.02
